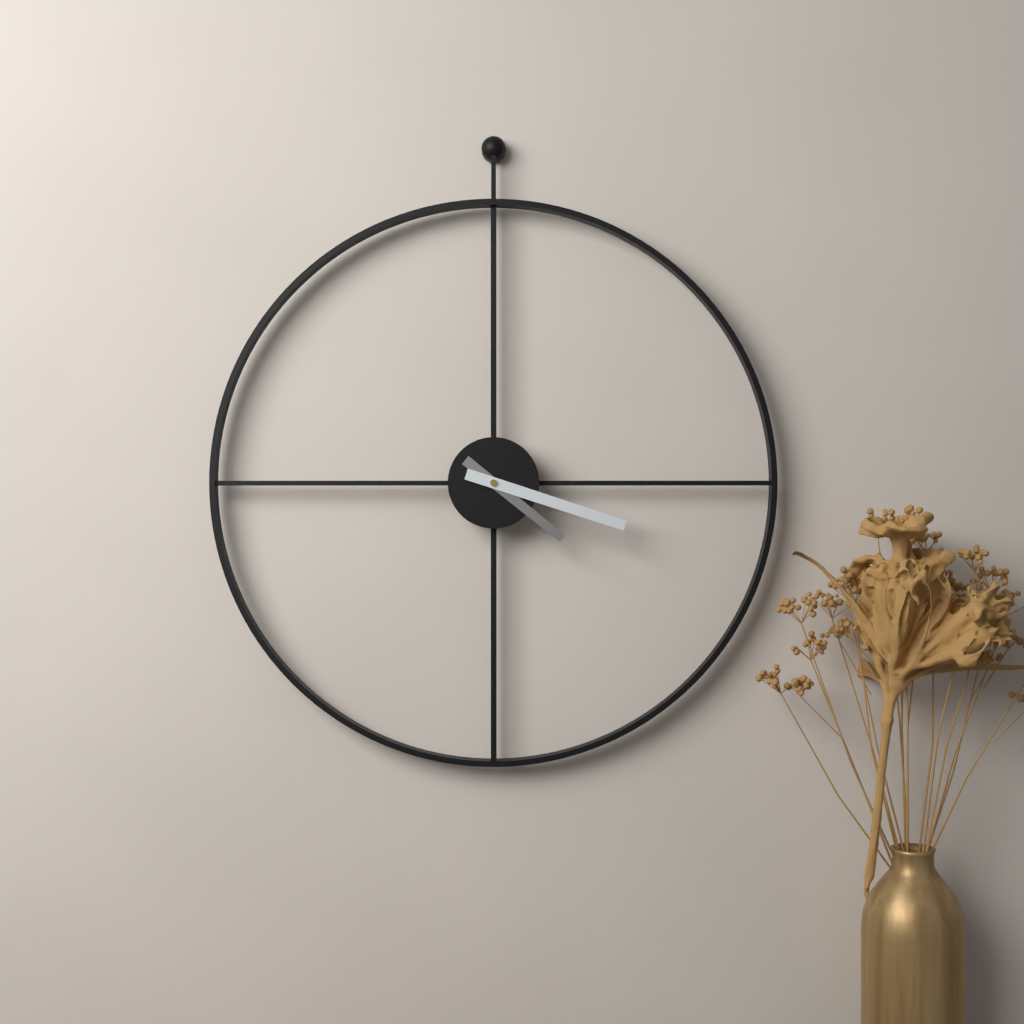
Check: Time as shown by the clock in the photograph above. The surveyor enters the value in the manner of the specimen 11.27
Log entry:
4.18
